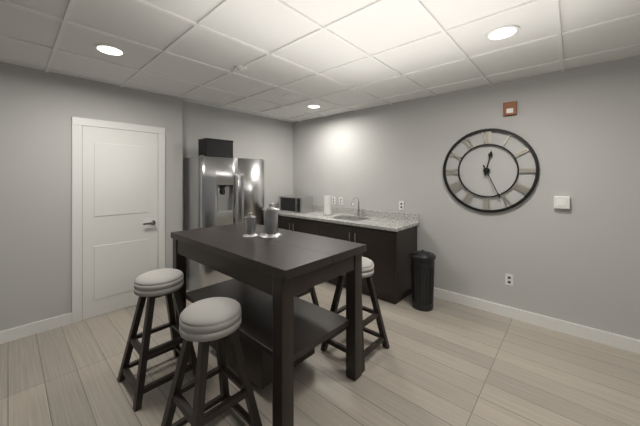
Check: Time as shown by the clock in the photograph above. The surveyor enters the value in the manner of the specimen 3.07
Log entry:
12.26
